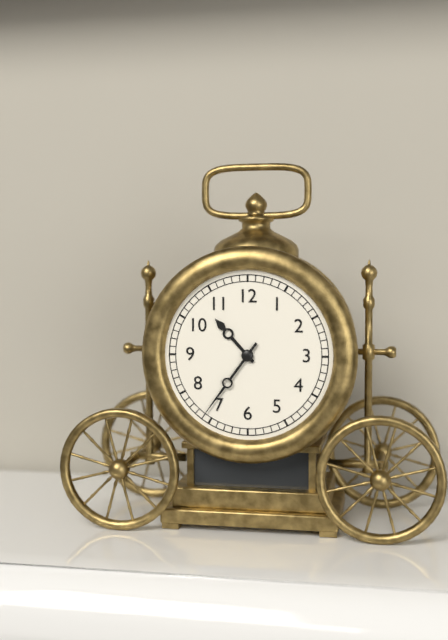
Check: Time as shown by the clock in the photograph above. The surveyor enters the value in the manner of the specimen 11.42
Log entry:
10.36
